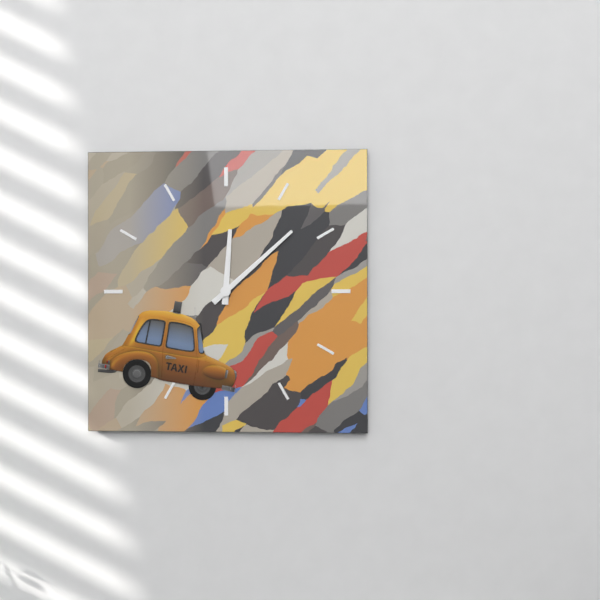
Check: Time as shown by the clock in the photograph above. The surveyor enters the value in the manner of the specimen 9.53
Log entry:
12.08
